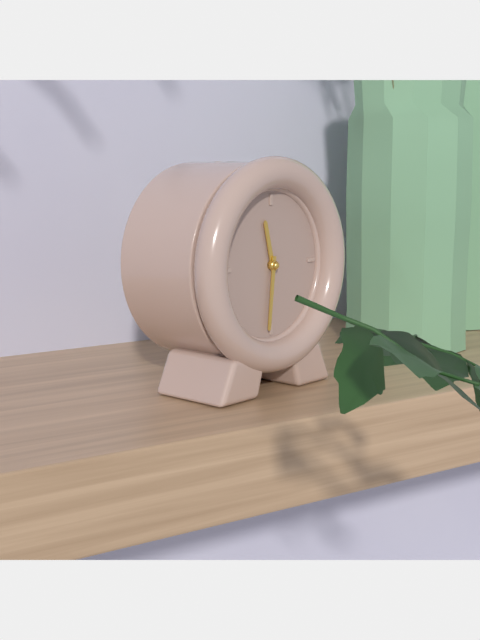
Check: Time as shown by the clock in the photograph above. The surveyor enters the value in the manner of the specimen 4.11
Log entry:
11.31
